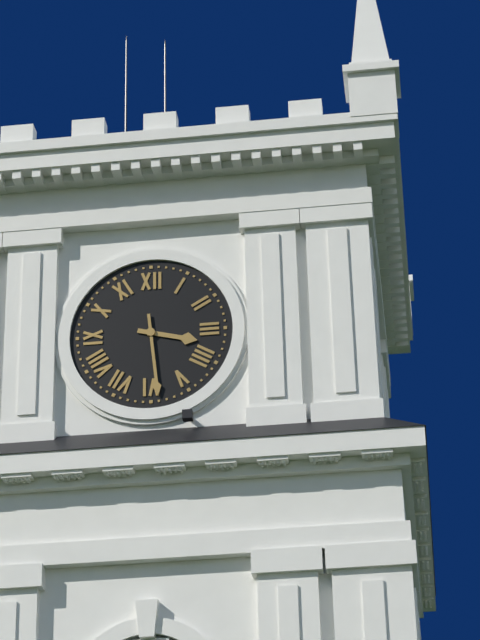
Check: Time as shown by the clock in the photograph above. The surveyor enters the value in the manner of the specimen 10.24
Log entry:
3.29
